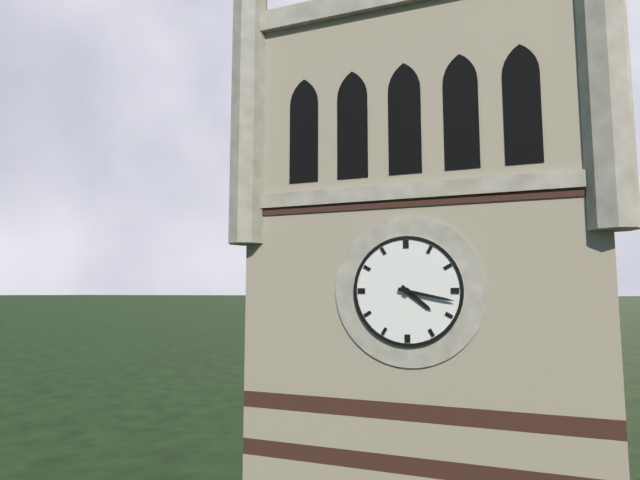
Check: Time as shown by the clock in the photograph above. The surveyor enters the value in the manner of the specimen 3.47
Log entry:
4.17
